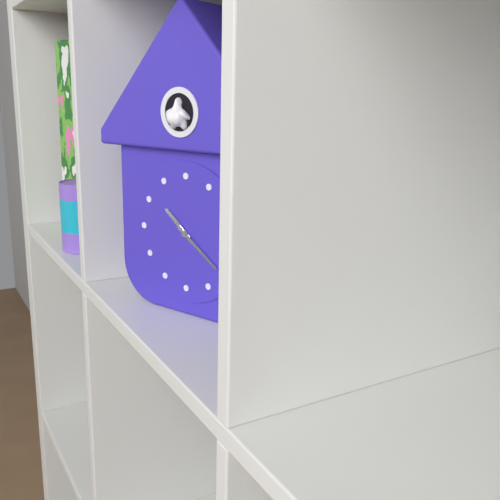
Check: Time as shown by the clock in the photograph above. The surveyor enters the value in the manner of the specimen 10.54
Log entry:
10.21
